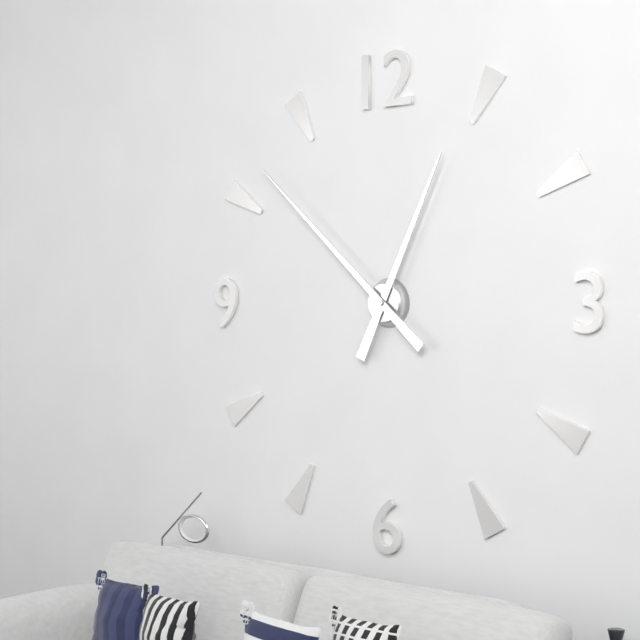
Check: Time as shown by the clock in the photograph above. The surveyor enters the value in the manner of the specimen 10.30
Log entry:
12.52
